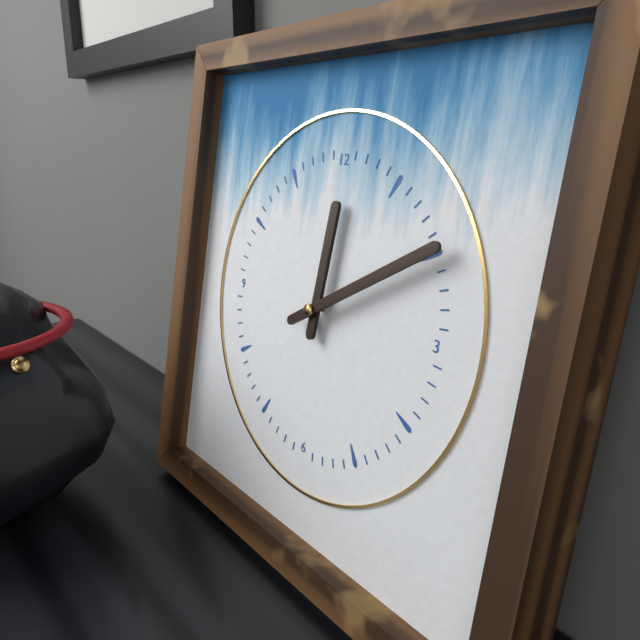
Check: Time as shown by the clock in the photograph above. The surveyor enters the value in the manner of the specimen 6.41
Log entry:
12.10
